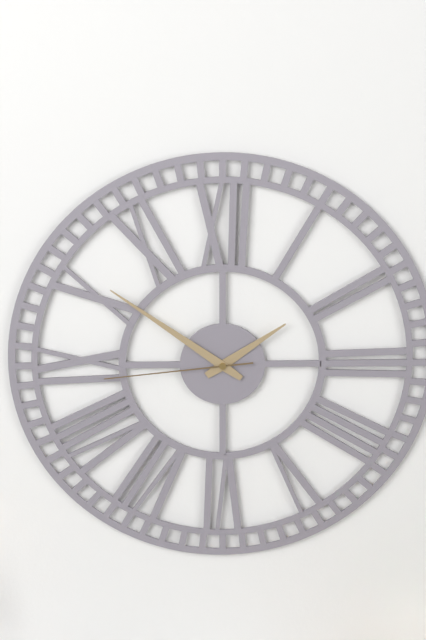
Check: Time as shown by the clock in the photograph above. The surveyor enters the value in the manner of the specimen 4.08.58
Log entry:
1.51.44
